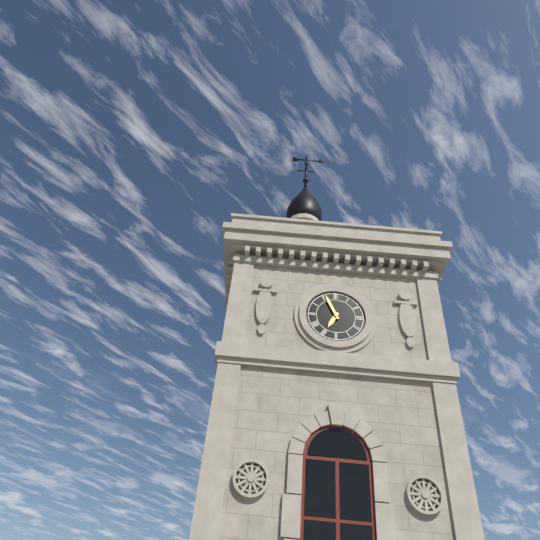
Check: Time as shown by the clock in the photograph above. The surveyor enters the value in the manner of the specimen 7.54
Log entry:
6.56
